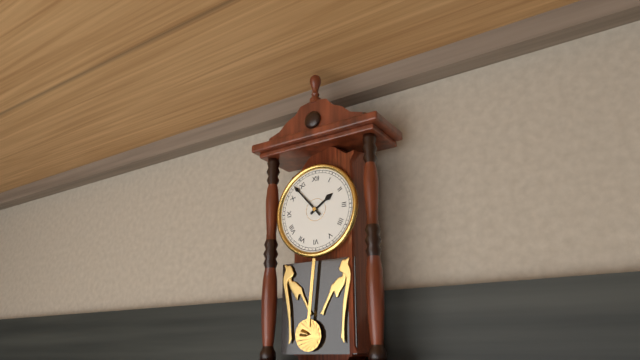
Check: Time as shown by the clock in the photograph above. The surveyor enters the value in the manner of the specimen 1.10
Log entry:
1.53
